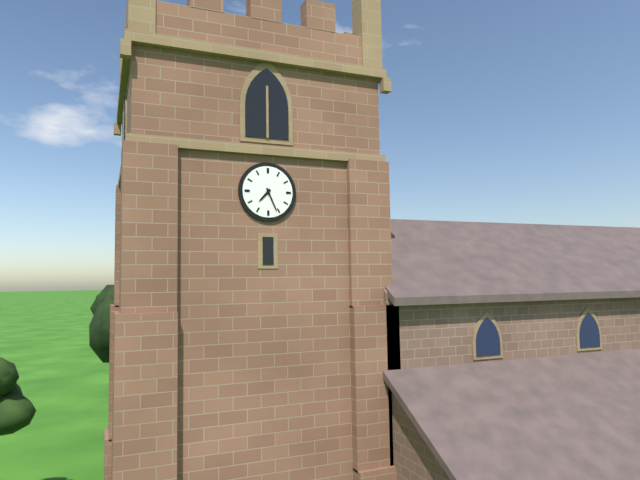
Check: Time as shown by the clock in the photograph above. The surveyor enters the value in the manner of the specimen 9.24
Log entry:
7.26
